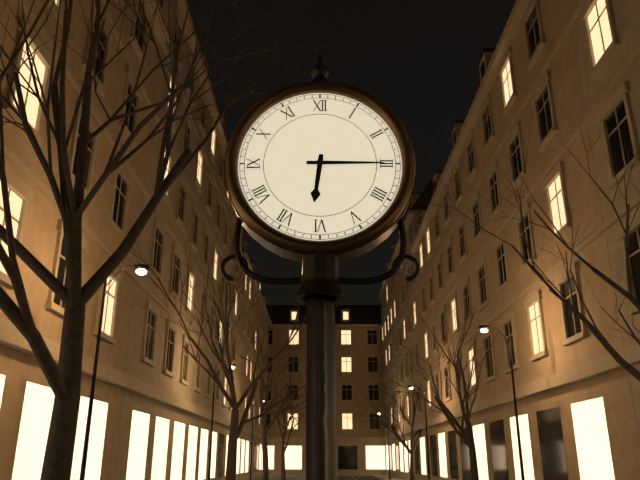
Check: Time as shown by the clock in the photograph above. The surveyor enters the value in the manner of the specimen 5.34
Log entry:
6.15
